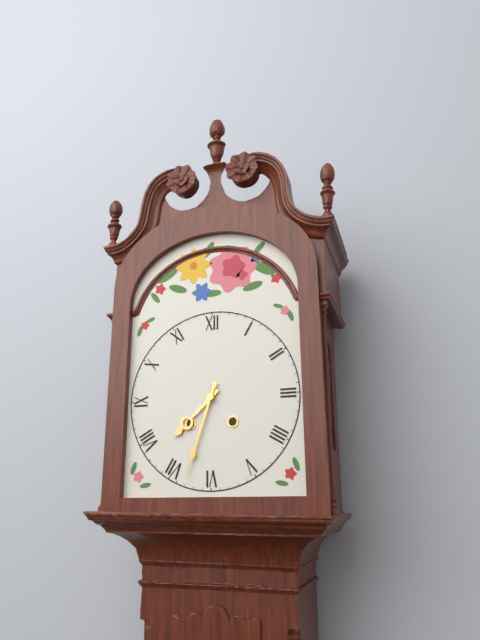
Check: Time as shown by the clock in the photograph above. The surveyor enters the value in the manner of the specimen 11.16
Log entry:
7.33
